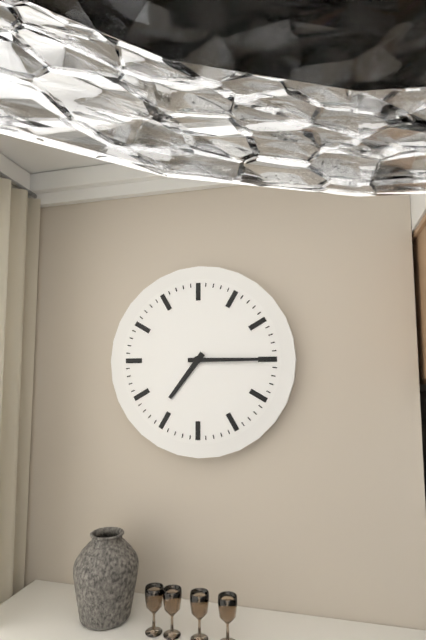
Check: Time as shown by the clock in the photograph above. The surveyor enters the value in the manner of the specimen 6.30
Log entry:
7.15
